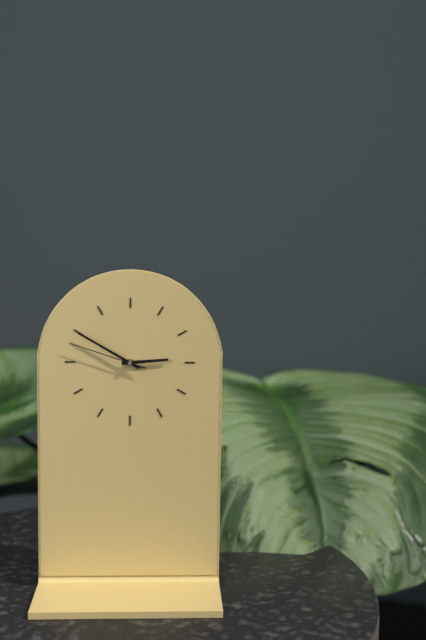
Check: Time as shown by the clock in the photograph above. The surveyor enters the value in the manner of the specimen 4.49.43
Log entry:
2.50.48
